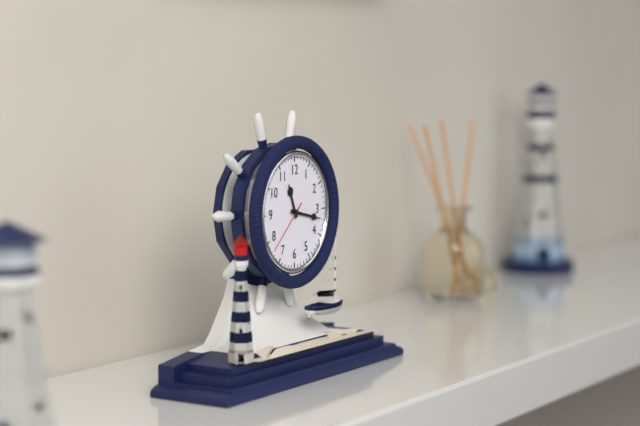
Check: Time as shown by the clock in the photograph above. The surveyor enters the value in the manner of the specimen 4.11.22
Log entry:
11.17.38
